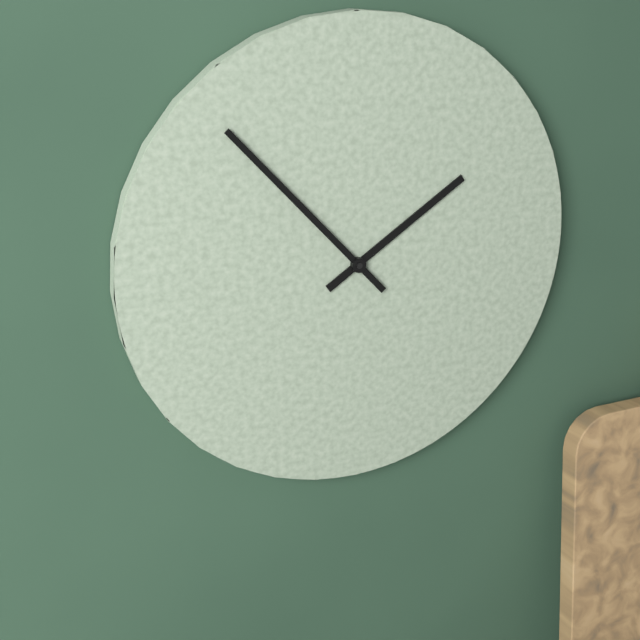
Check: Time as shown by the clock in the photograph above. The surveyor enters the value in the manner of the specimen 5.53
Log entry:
1.53
